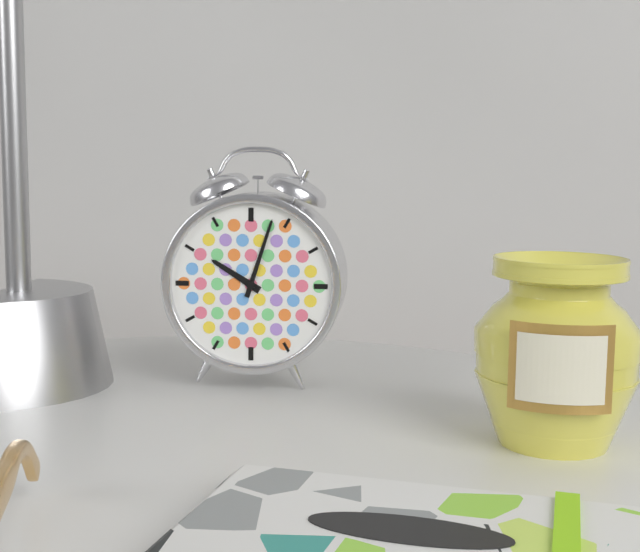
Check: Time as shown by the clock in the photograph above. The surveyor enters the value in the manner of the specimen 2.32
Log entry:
10.03
